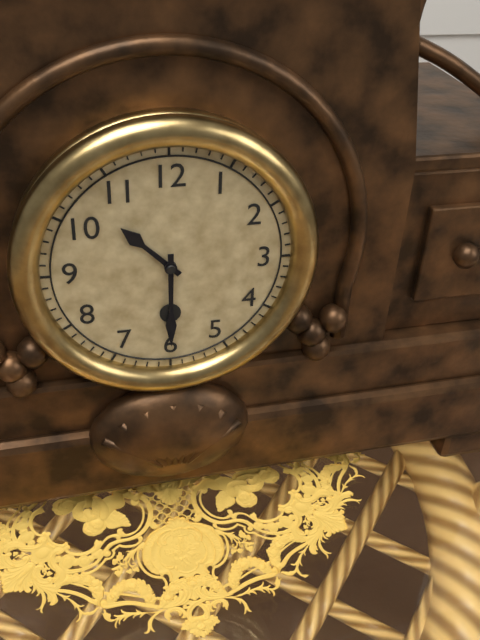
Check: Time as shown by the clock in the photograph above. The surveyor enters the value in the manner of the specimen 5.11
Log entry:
10.30
